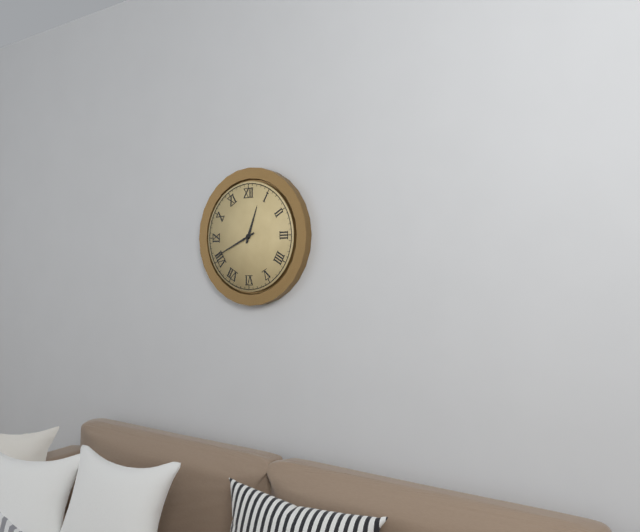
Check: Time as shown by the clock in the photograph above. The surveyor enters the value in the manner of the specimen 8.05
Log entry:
12.41
